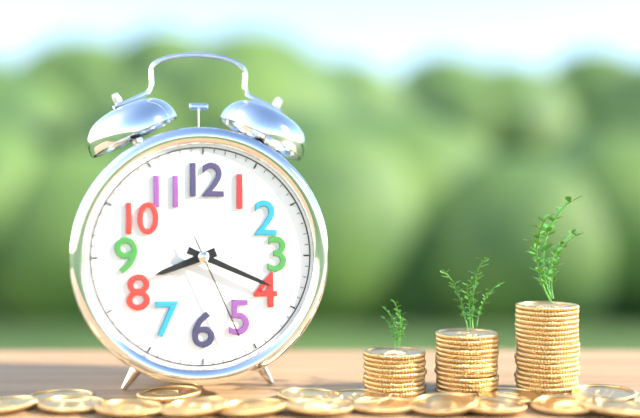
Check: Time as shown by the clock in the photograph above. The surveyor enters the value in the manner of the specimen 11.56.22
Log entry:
8.19.26
